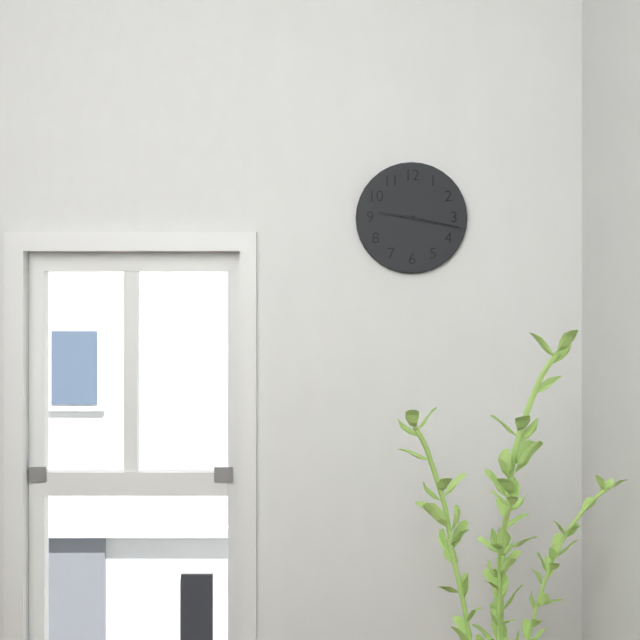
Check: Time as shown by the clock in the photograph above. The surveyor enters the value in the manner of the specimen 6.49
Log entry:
9.17
